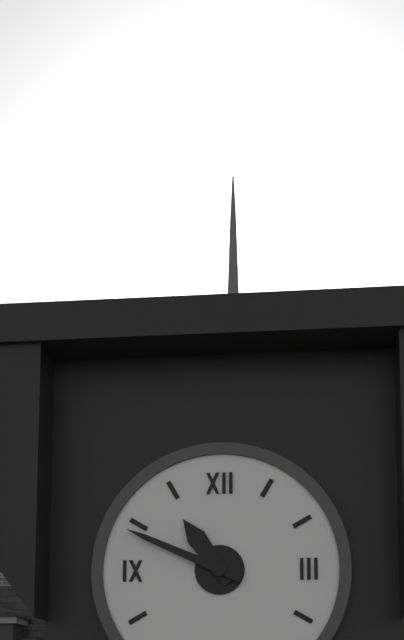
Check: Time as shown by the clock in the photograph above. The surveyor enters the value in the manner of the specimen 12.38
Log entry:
10.49
